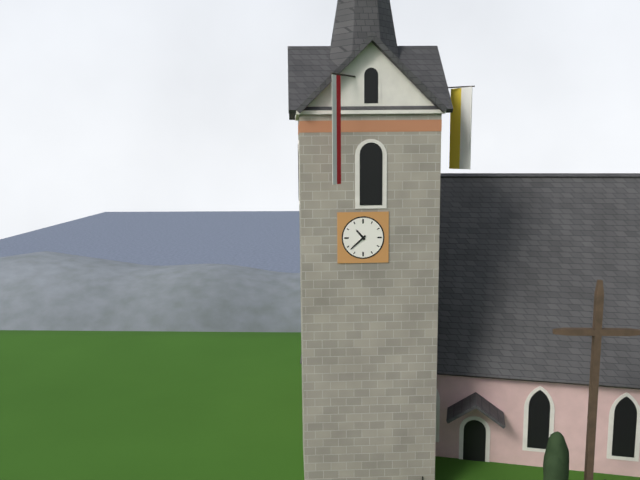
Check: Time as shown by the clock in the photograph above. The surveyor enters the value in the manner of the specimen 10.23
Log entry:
10.38
